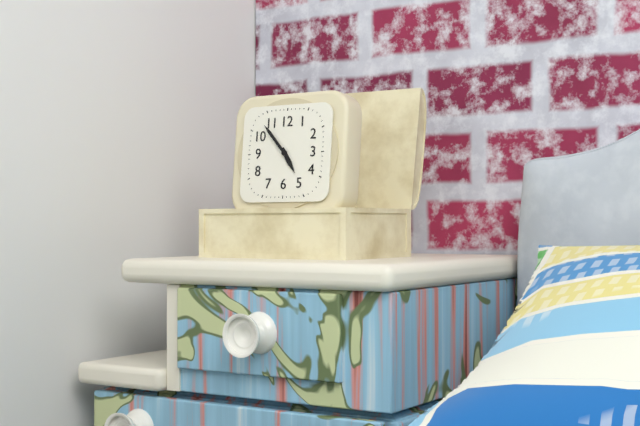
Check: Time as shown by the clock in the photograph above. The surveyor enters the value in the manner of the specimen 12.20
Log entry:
4.53
